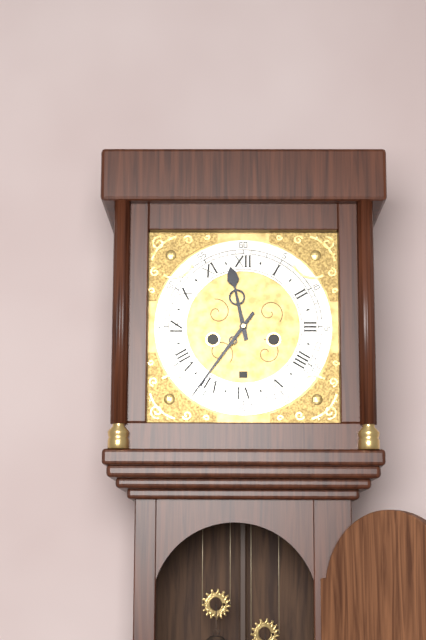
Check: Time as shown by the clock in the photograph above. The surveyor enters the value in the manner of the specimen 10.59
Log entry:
11.36
